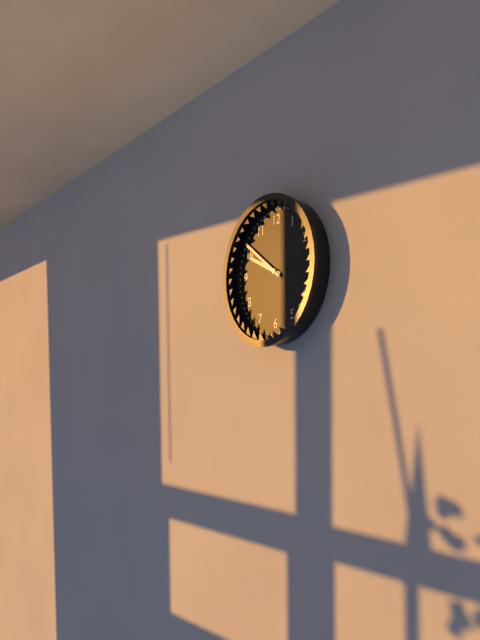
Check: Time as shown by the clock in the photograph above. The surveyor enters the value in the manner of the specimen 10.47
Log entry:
9.51
